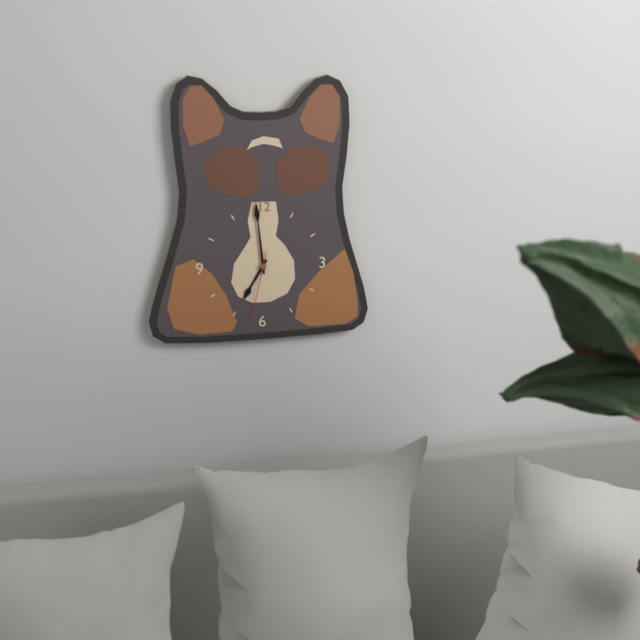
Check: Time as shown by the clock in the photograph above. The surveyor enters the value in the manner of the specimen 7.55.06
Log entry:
6.59.32
